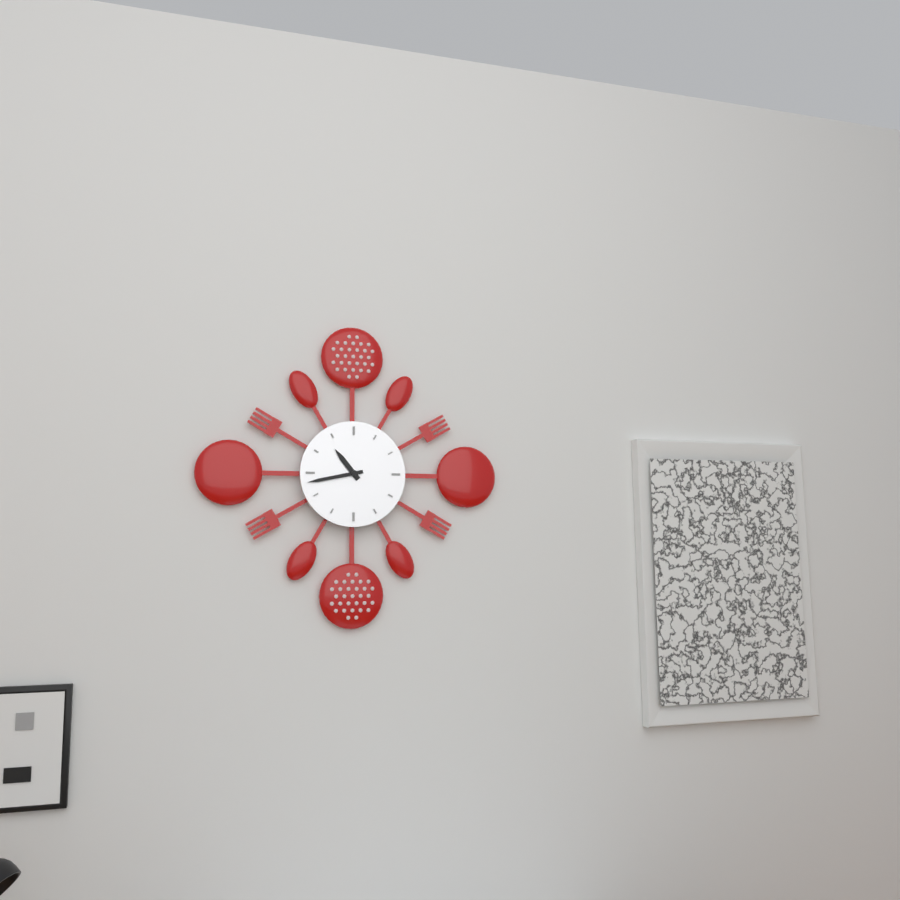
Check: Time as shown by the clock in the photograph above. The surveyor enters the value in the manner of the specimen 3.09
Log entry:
10.43
